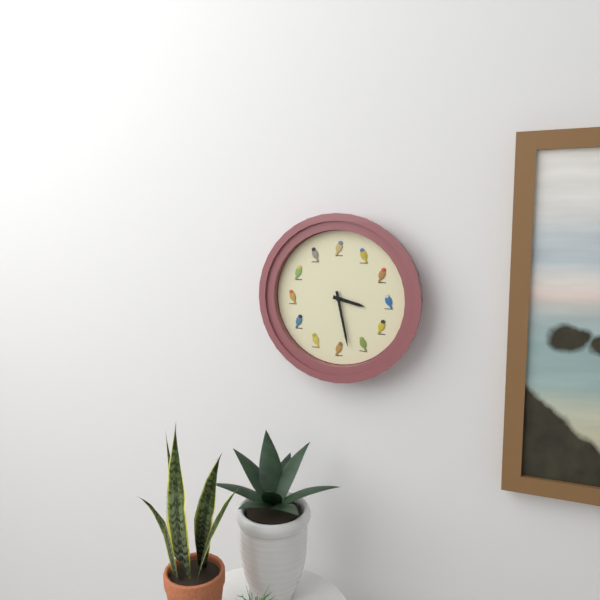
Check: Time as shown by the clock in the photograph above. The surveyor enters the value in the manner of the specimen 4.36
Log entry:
3.28
